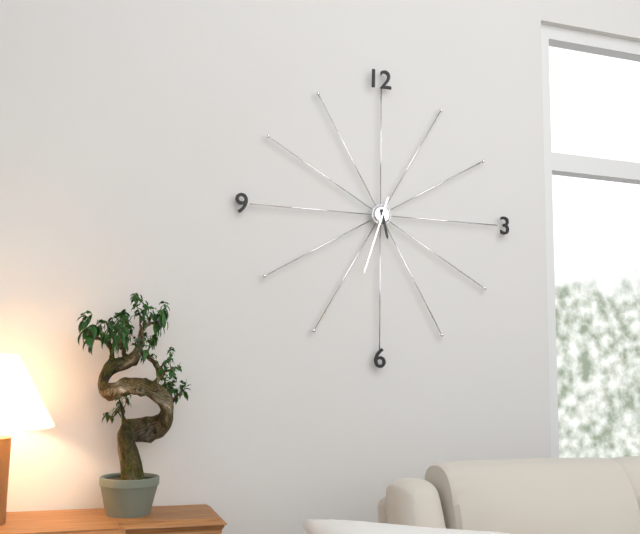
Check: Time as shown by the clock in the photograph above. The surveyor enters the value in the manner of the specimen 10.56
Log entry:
5.33
